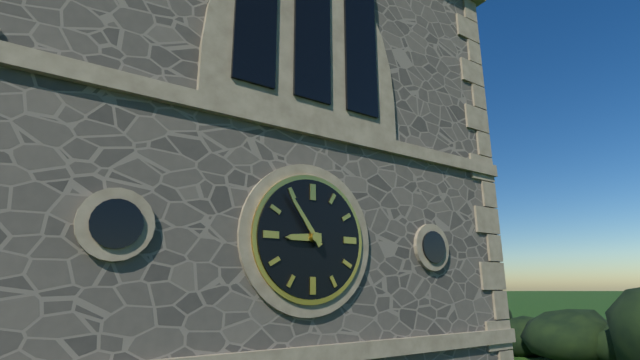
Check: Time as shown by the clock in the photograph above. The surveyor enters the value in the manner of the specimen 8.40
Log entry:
8.54
